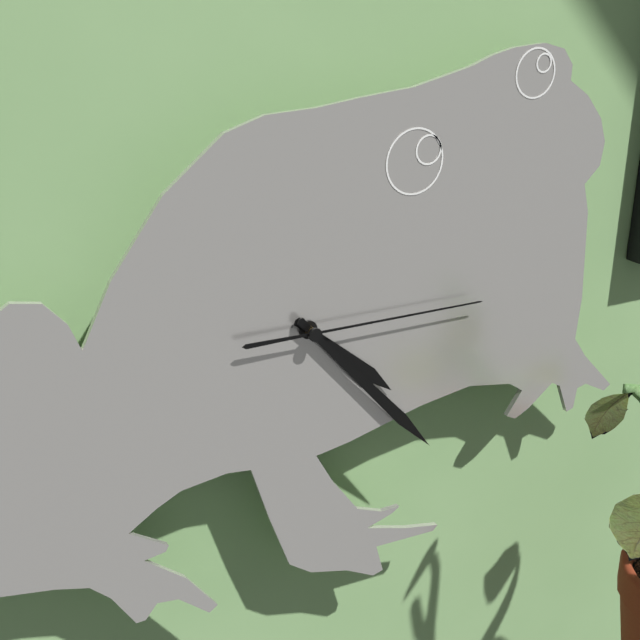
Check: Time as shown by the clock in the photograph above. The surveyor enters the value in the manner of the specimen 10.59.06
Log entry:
4.23.15
